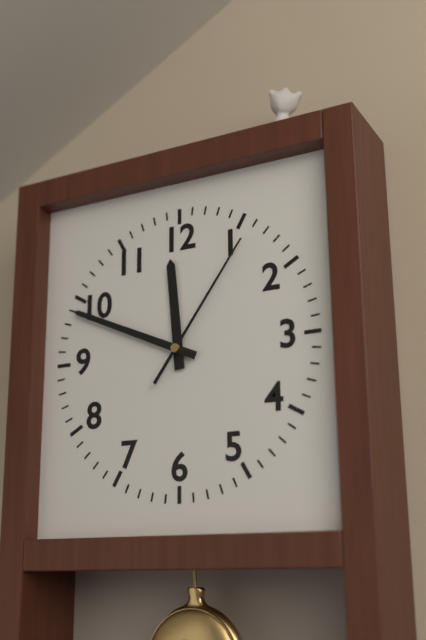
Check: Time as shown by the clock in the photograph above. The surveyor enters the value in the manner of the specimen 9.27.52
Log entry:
11.49.06
